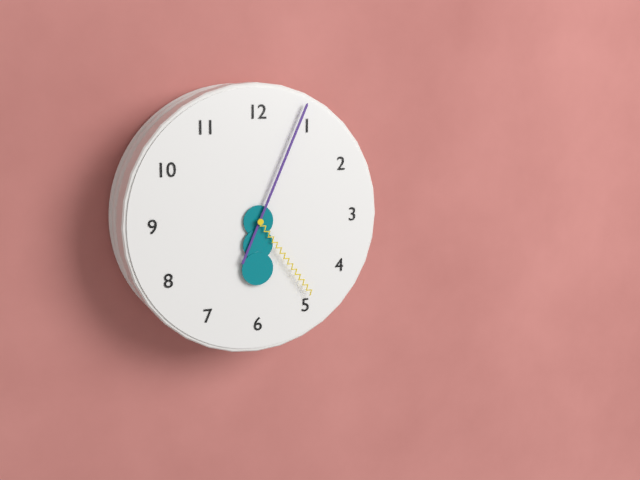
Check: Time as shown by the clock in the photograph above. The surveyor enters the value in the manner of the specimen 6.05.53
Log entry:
6.04.24
